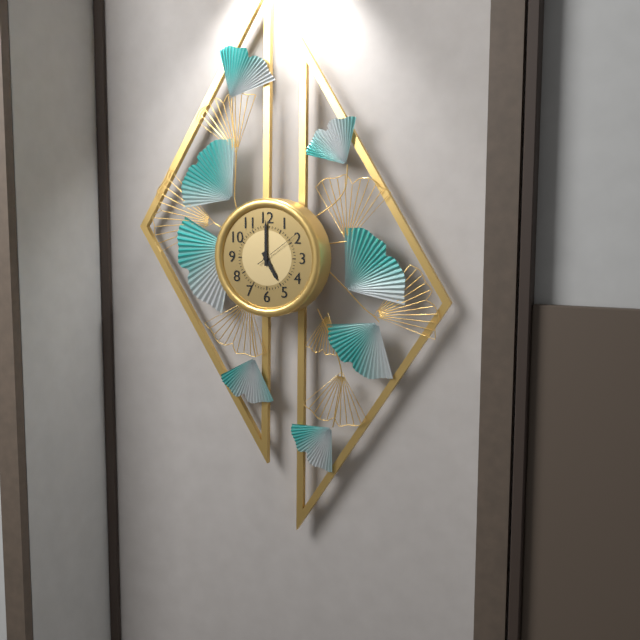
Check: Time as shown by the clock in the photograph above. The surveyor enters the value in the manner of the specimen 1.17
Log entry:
5.00
